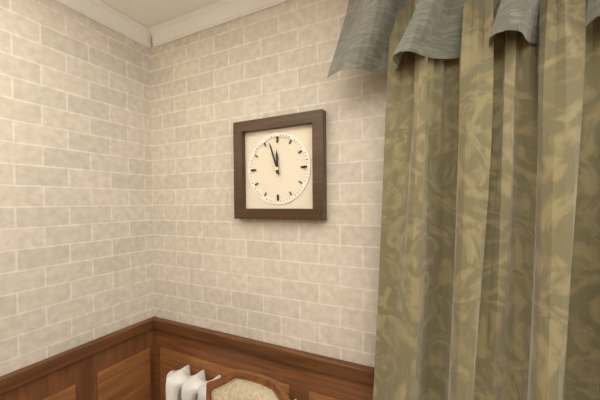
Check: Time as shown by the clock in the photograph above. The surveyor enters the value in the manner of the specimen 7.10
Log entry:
11.57
